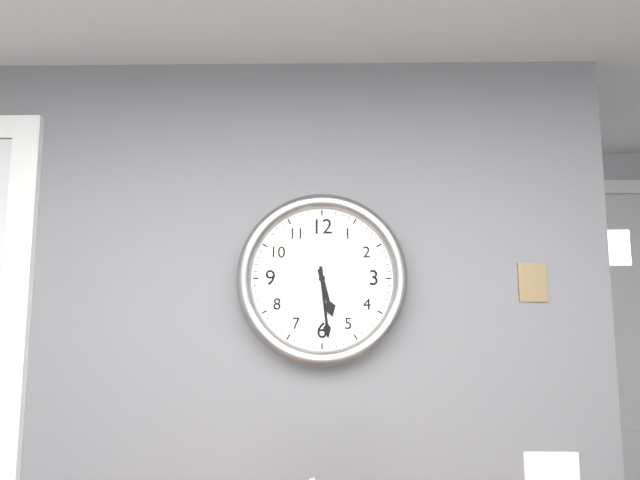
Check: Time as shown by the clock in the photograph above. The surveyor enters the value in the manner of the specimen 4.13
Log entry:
5.29
